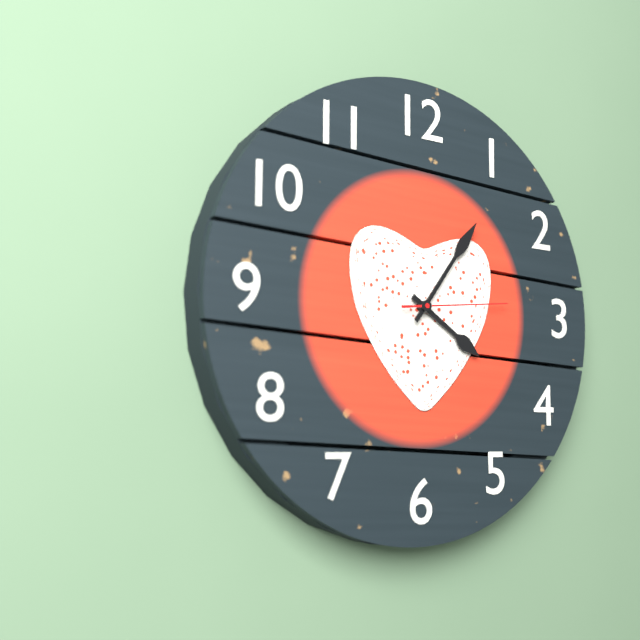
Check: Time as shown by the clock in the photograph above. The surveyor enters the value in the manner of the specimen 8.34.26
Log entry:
4.06.14
